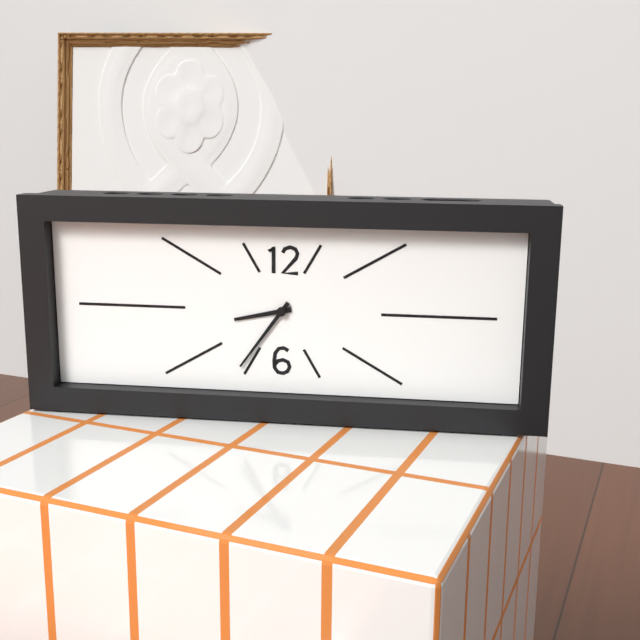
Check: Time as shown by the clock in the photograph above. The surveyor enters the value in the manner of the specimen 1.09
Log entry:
8.36
